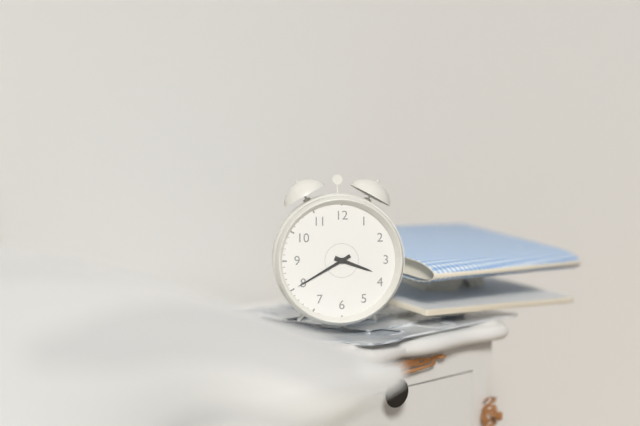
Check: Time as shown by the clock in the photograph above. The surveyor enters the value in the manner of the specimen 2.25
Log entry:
3.40
